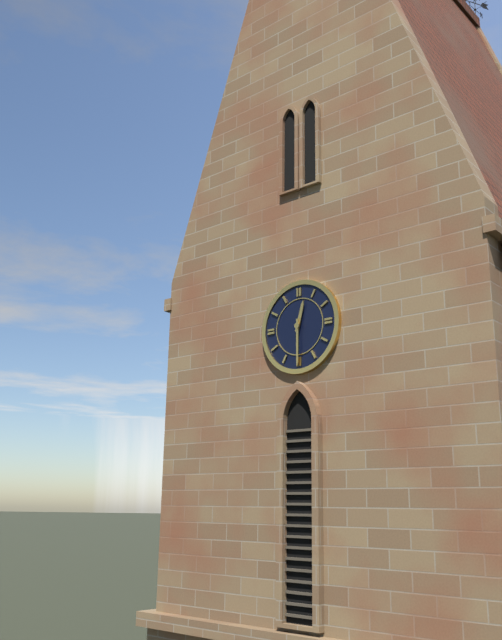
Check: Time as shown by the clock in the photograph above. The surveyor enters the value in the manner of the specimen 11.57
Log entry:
12.30
